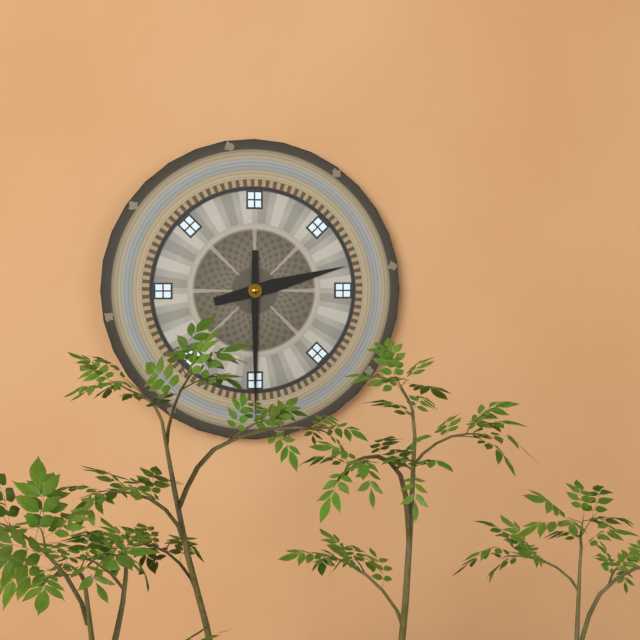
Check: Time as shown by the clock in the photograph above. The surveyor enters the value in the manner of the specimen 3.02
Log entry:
2.30
